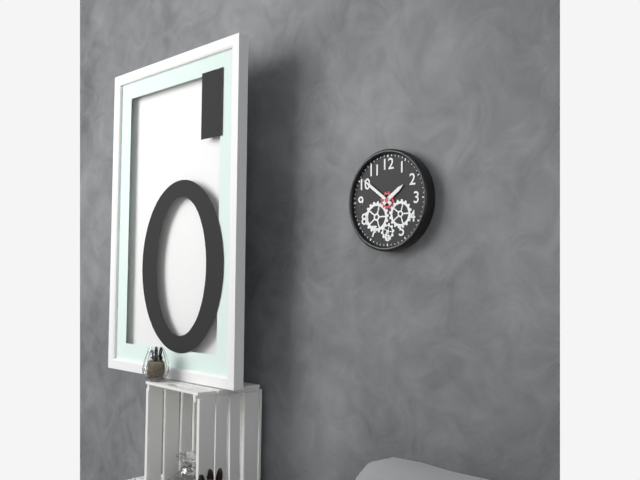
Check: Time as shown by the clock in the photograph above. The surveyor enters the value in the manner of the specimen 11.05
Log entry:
1.51
